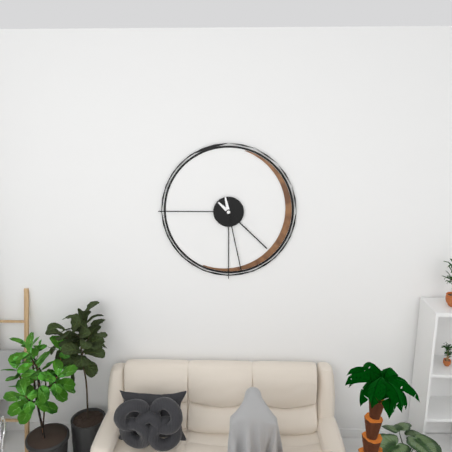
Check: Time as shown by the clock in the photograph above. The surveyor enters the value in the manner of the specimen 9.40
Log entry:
4.28
